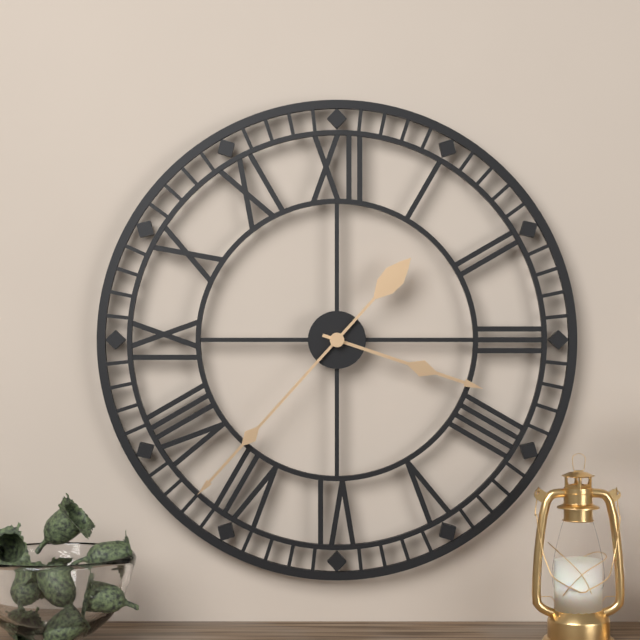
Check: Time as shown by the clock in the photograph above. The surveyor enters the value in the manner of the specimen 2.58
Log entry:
3.37
